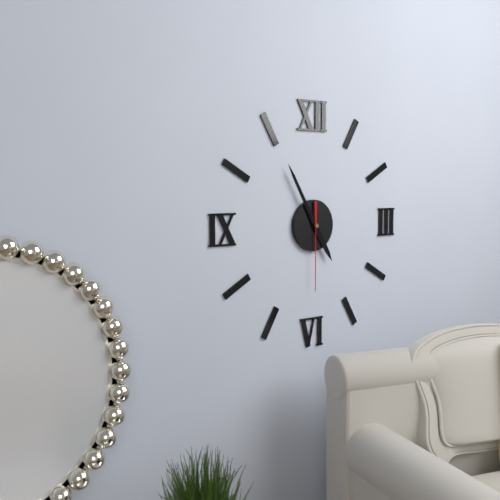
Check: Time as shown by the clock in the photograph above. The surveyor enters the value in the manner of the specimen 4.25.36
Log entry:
4.55.30
